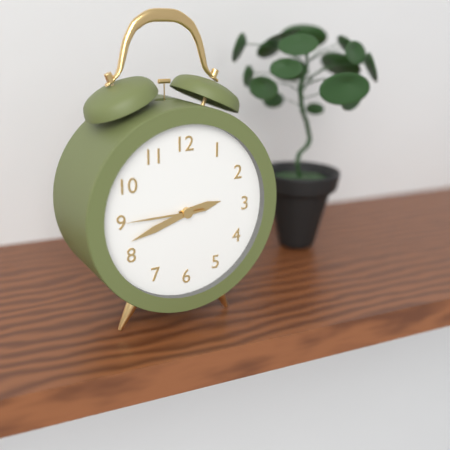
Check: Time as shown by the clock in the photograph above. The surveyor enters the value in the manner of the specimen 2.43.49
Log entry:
2.42.45
